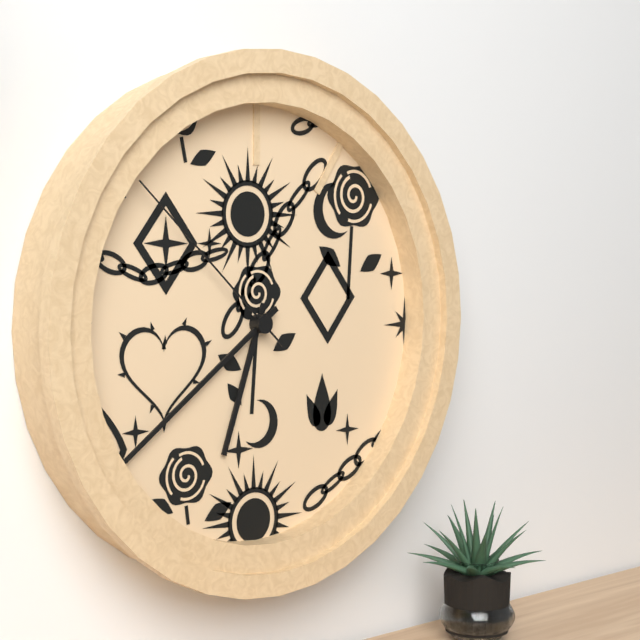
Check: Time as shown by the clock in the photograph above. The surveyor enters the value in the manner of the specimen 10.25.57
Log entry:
6.39.52
